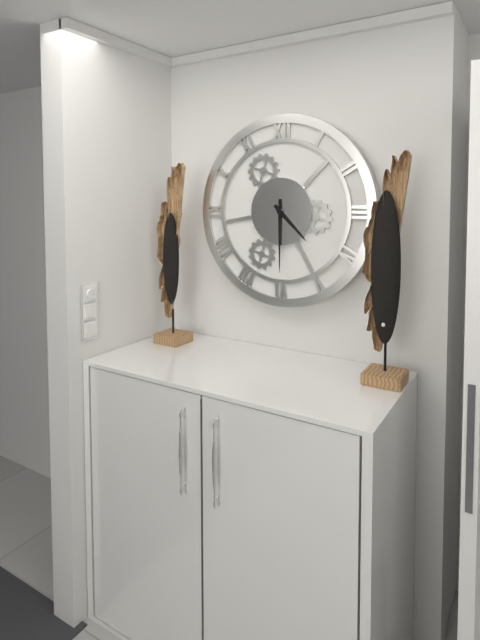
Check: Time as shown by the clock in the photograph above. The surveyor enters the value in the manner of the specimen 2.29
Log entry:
4.30
